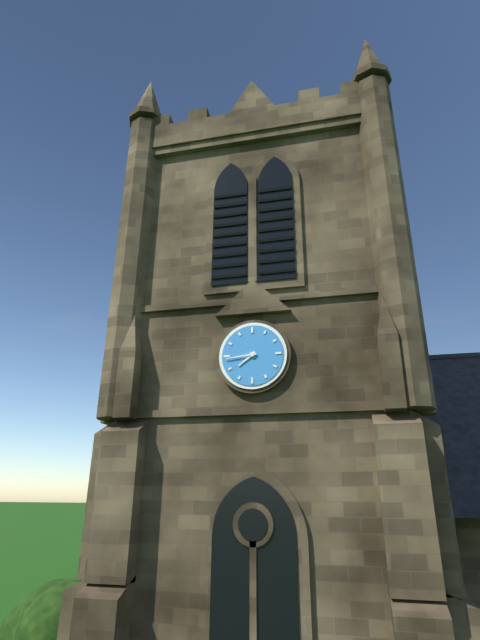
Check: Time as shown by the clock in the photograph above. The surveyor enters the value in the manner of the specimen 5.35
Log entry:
7.44
